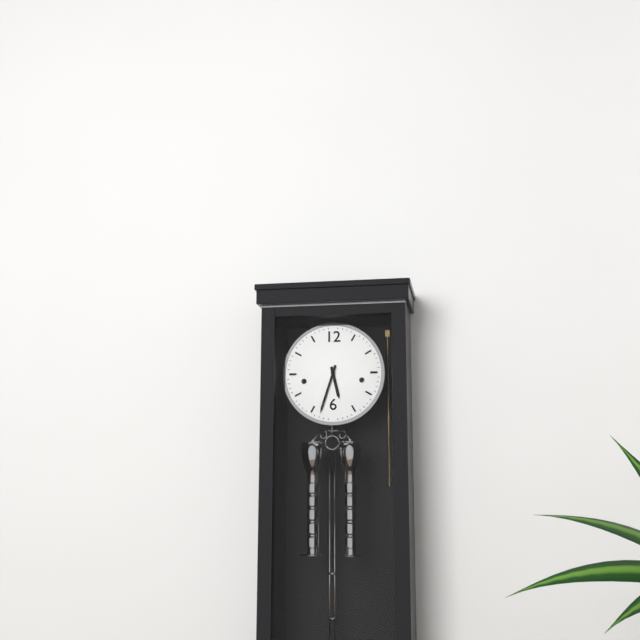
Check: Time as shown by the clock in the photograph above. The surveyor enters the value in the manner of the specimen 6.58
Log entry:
5.33
